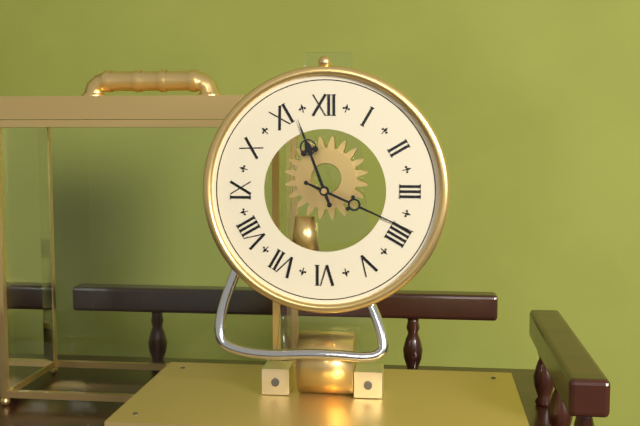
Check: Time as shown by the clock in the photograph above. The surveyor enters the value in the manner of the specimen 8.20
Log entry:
11.19
